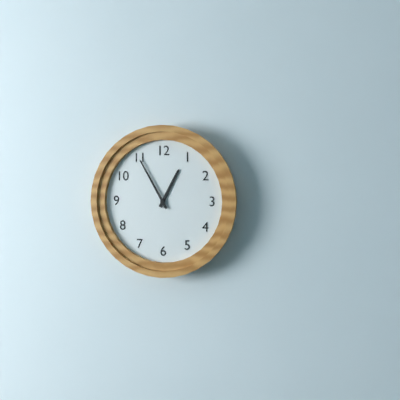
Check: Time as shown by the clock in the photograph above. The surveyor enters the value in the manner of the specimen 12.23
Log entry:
12.55
